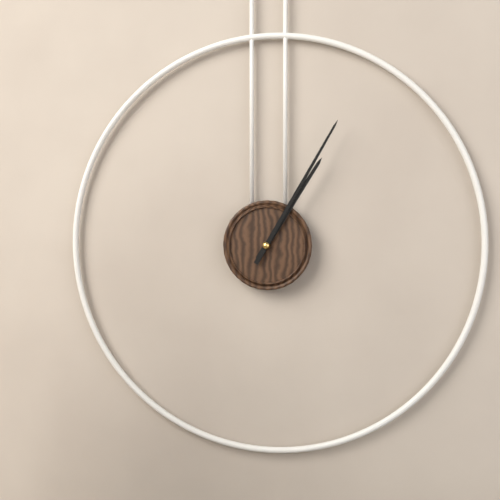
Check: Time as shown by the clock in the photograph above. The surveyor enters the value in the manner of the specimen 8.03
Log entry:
1.05
